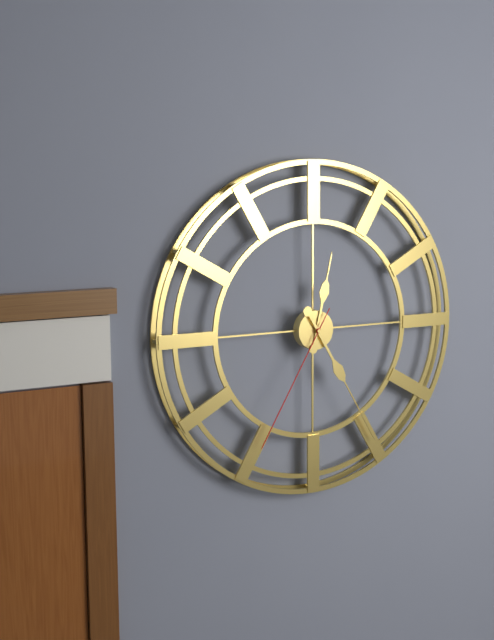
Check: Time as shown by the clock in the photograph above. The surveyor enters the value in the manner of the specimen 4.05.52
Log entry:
12.25.35
